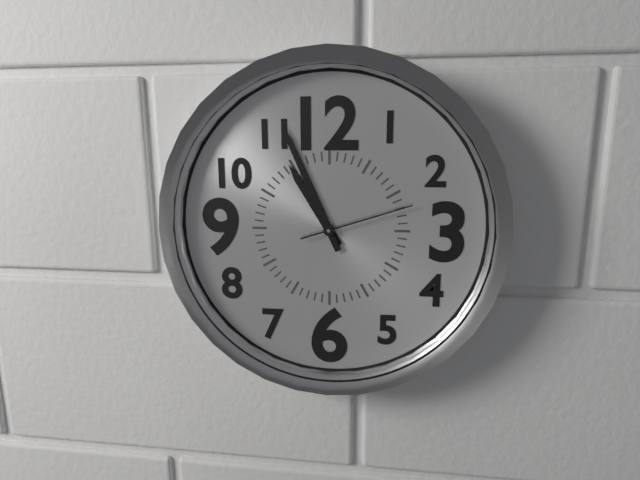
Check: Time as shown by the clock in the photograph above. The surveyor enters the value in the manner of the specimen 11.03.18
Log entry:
10.56.12
